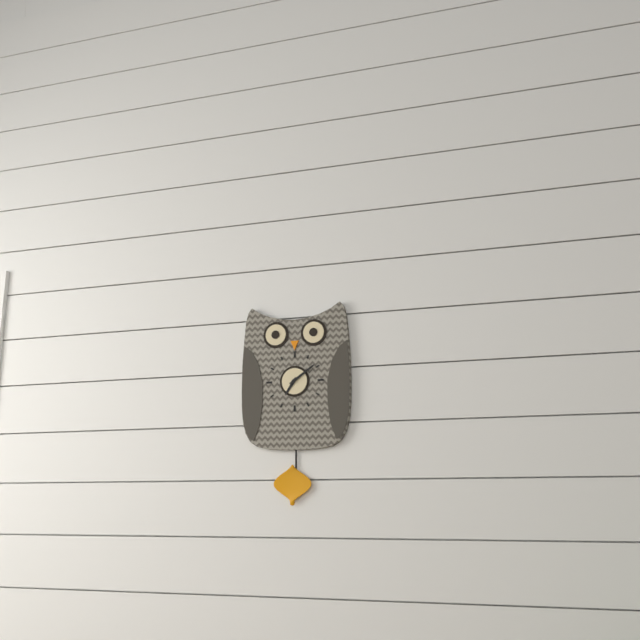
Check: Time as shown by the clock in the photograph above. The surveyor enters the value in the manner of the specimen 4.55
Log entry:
7.09
